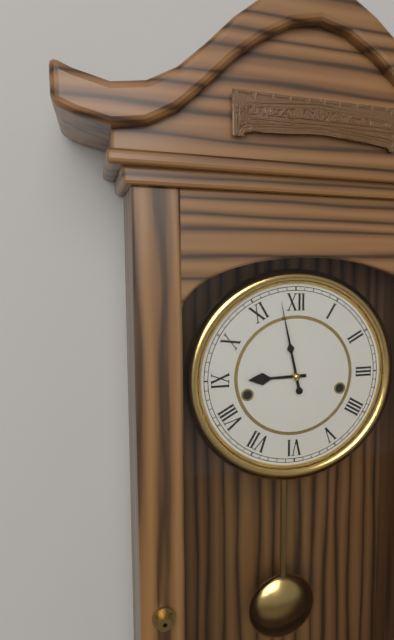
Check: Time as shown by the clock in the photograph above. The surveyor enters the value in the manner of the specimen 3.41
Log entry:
8.58
